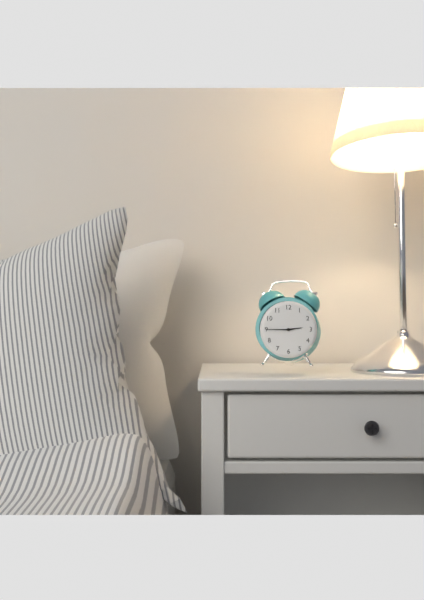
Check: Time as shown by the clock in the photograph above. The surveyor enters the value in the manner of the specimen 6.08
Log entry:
2.45
